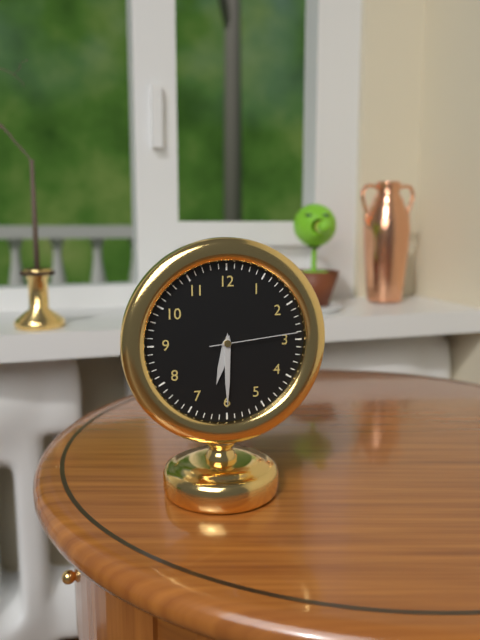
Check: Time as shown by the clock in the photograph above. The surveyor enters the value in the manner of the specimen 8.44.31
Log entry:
6.30.14
